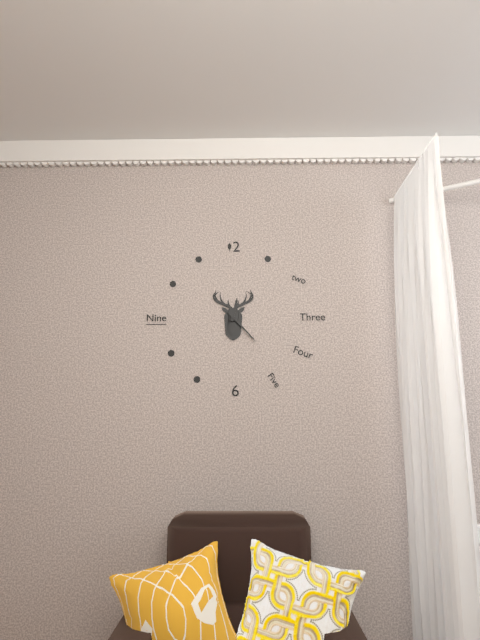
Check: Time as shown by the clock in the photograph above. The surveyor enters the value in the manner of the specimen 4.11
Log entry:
12.23
